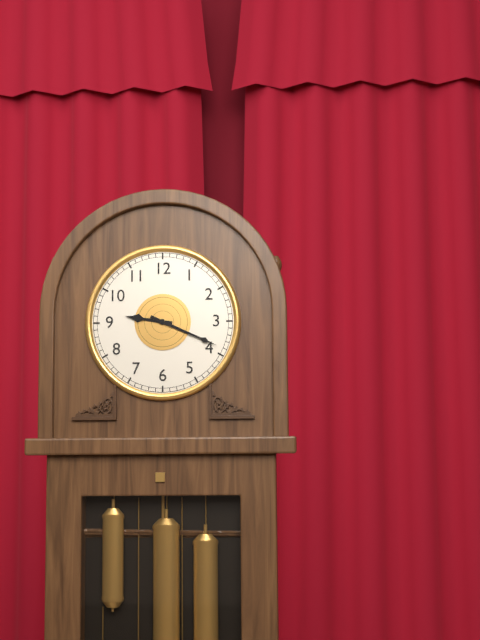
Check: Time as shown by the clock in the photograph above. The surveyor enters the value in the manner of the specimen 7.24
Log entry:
9.19
